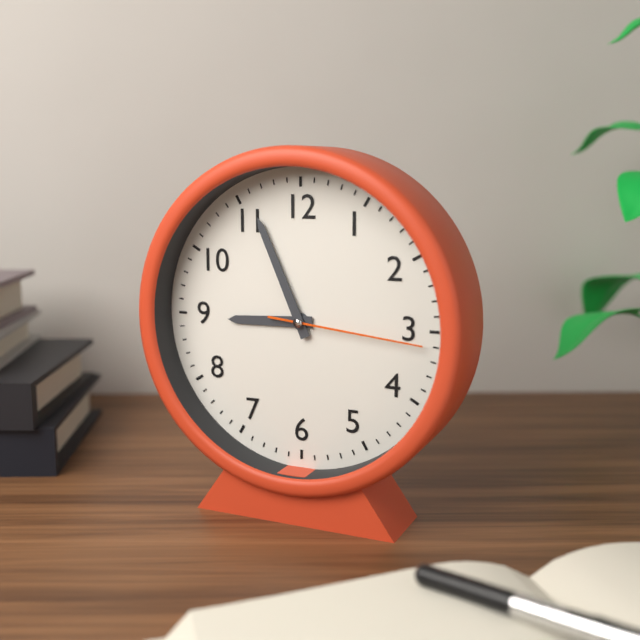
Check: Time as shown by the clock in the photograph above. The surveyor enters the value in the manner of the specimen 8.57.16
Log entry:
8.56.16
